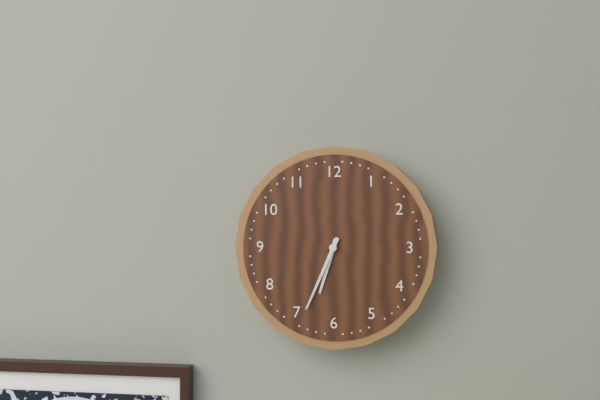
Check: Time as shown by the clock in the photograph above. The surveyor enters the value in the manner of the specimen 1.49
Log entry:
6.34
